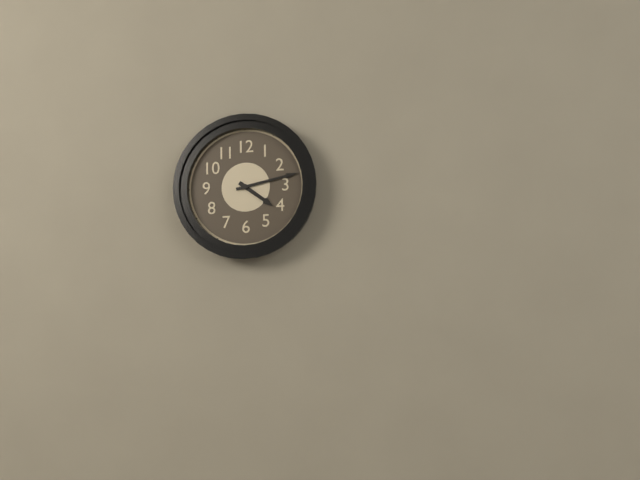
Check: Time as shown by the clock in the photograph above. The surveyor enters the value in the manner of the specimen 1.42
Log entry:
4.13
